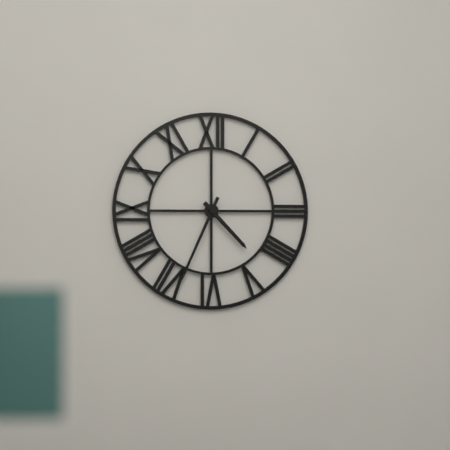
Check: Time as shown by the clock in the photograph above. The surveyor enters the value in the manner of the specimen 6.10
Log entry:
4.34
